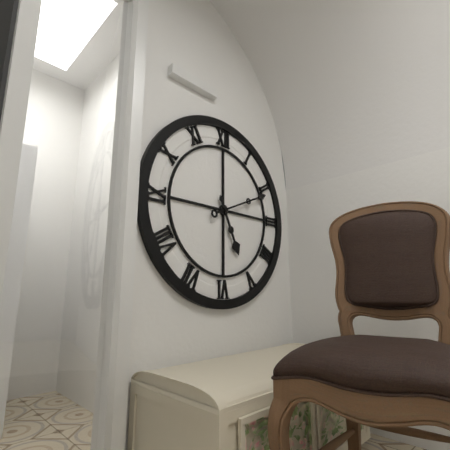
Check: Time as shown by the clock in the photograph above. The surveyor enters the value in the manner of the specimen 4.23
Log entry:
5.11
